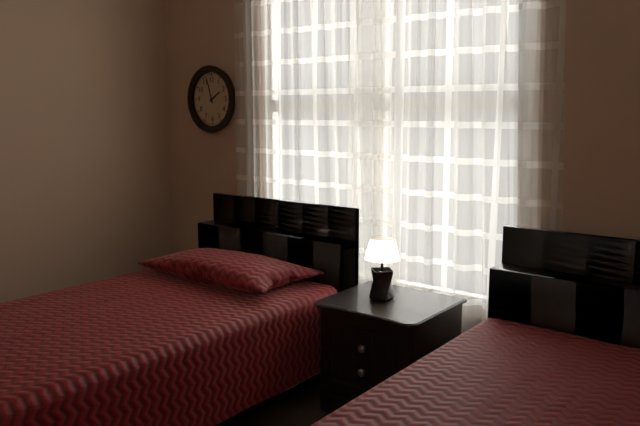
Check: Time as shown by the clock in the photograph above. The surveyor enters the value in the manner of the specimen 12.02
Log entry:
1.57
